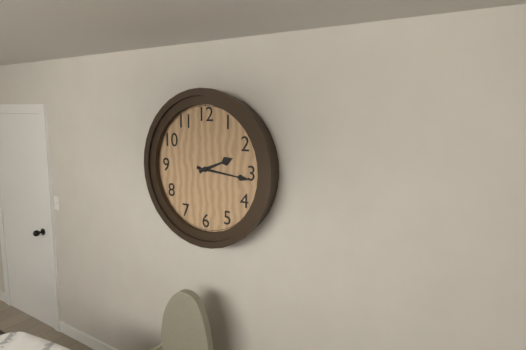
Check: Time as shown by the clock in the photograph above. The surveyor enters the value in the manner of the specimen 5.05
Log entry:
2.16
